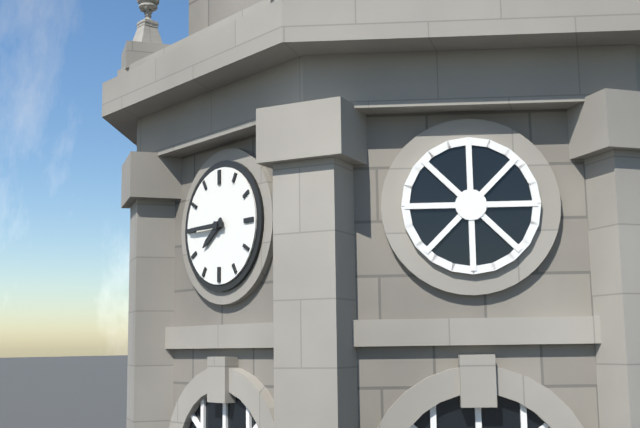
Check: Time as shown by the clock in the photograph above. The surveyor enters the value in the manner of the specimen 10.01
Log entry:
7.45
